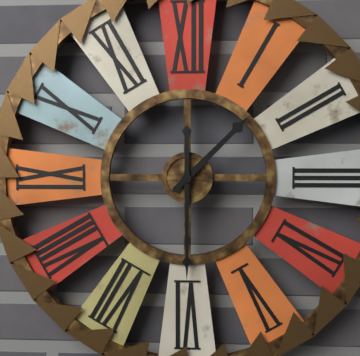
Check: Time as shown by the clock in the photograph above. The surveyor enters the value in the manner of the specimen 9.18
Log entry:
1.30
